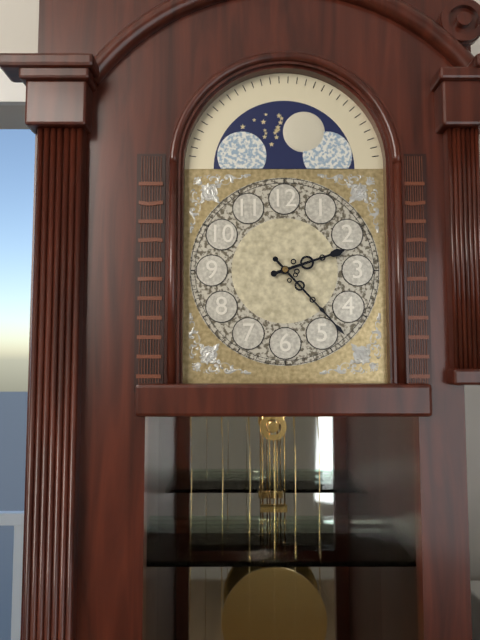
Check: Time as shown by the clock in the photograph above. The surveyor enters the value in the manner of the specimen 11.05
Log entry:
2.23
